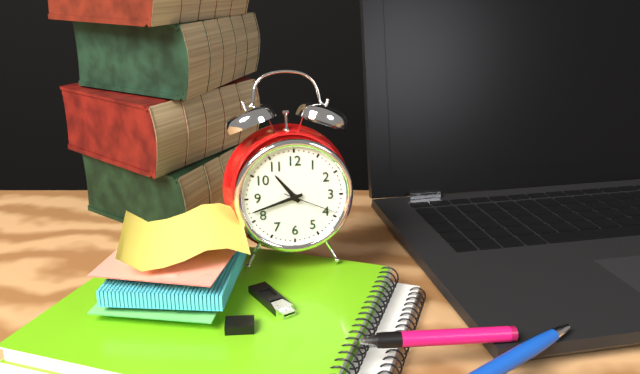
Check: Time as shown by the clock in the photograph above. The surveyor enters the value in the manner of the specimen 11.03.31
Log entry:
10.42.19
